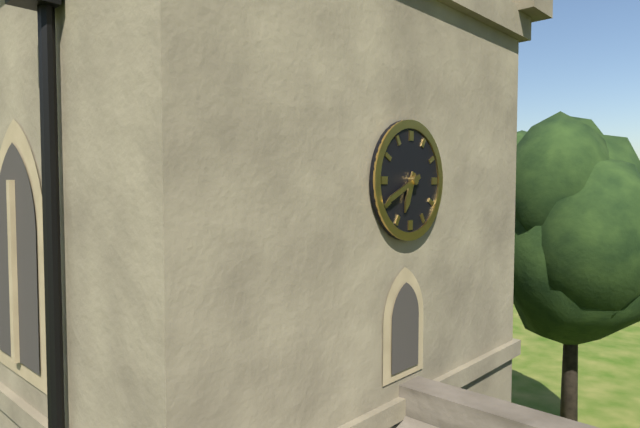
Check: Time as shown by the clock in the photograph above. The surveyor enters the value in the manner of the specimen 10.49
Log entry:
6.41
